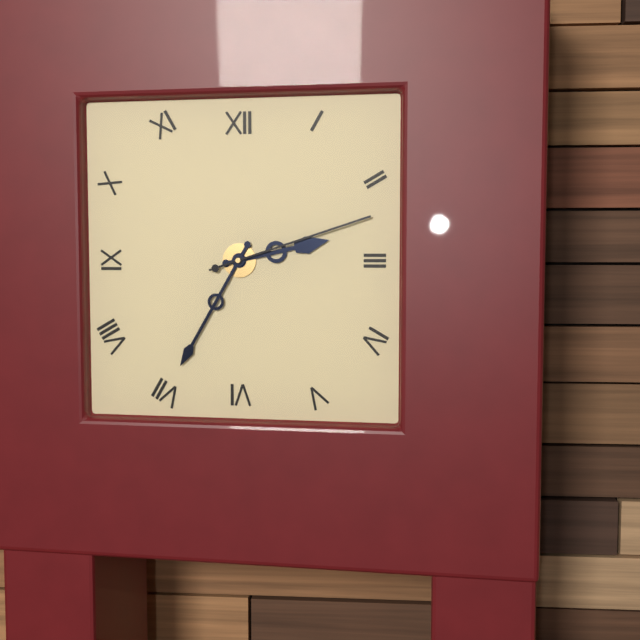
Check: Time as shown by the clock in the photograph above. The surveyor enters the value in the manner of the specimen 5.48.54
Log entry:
2.35.12
